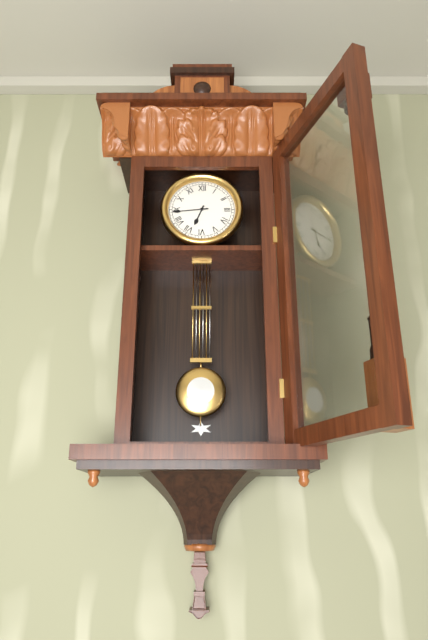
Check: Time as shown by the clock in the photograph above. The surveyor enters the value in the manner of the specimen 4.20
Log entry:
6.44
